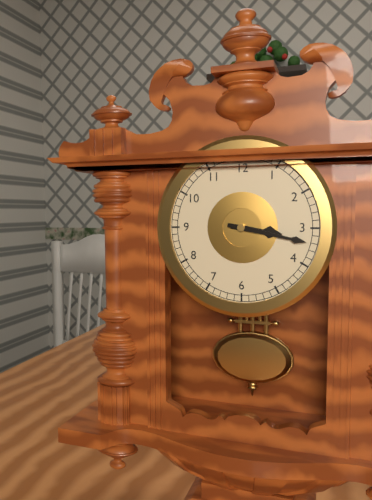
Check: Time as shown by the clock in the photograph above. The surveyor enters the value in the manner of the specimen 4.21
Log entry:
3.17
